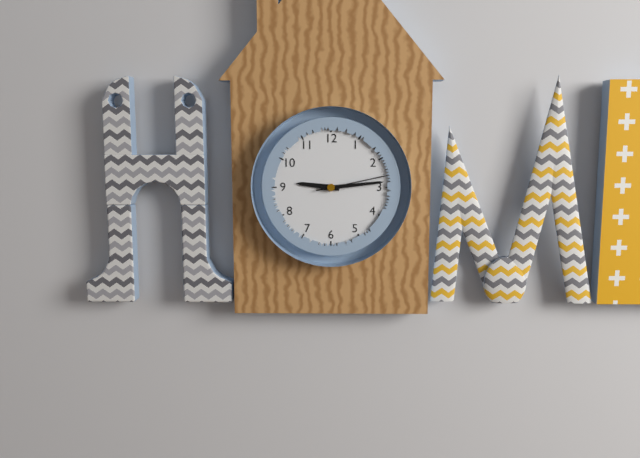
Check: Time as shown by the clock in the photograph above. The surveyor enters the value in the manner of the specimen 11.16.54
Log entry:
9.14.13
